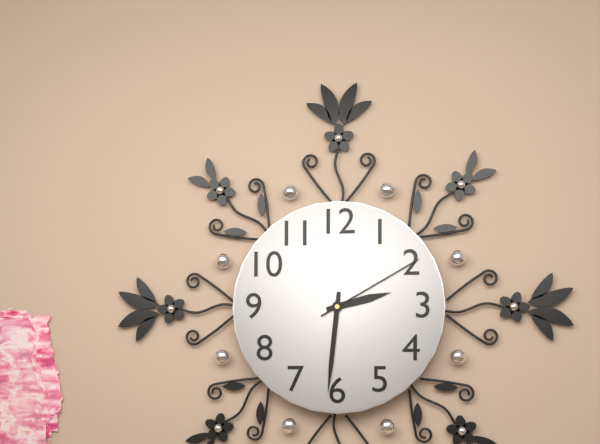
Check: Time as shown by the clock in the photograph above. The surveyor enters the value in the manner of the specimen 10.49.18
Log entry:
2.31.10
